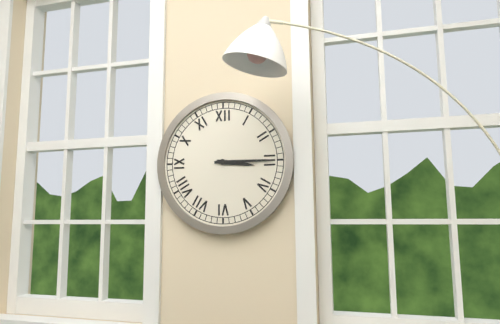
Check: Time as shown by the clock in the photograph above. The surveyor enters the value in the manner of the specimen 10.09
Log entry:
3.15
